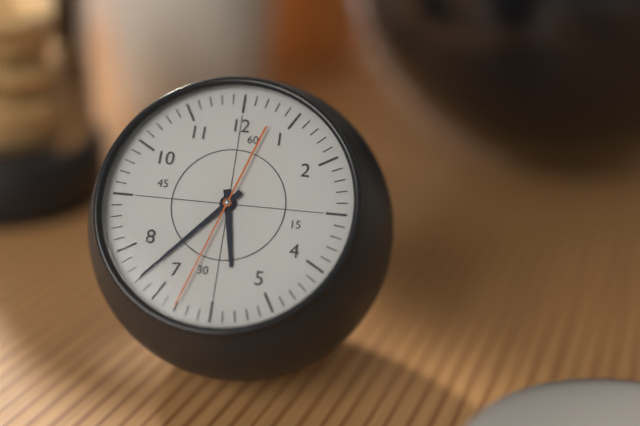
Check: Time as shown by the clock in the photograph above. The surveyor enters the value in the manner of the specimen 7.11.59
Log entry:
5.37.33
